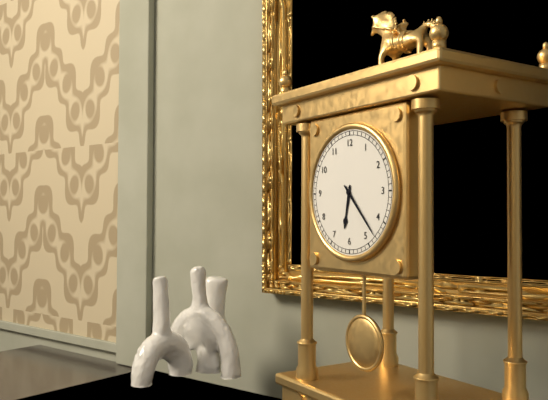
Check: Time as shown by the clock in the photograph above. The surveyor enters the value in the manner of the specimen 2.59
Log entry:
6.23
